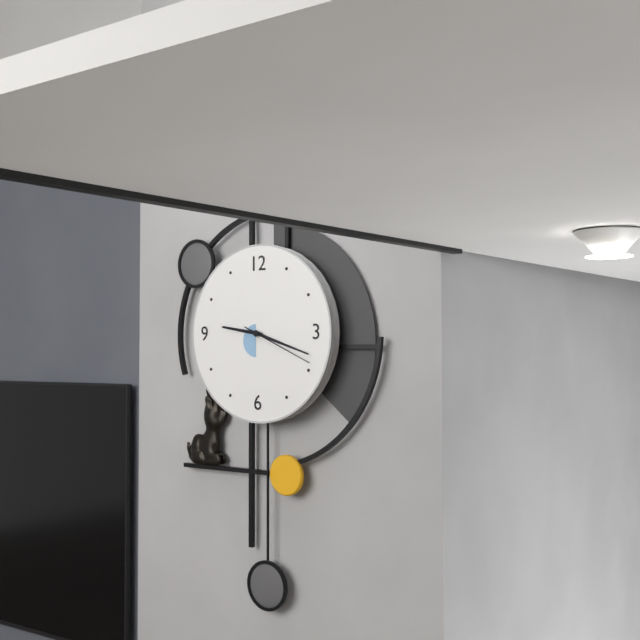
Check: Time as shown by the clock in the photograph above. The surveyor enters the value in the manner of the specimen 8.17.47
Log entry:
9.18.19
